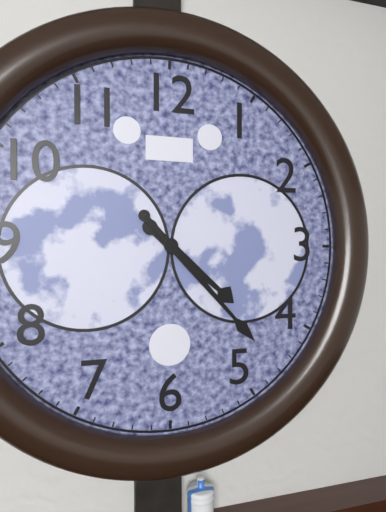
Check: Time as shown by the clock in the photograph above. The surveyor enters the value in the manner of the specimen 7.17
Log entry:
4.23
